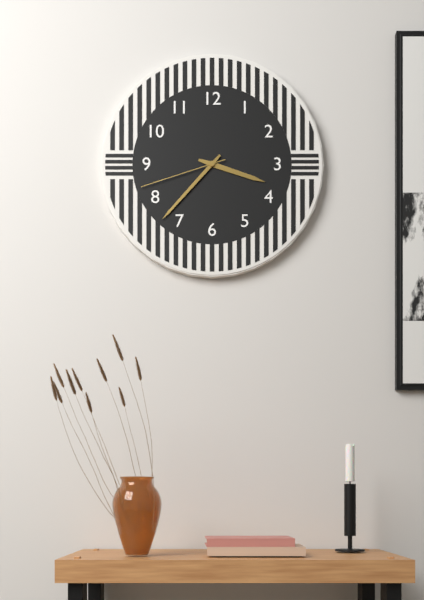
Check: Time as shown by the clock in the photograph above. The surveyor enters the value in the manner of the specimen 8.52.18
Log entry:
3.37.42
